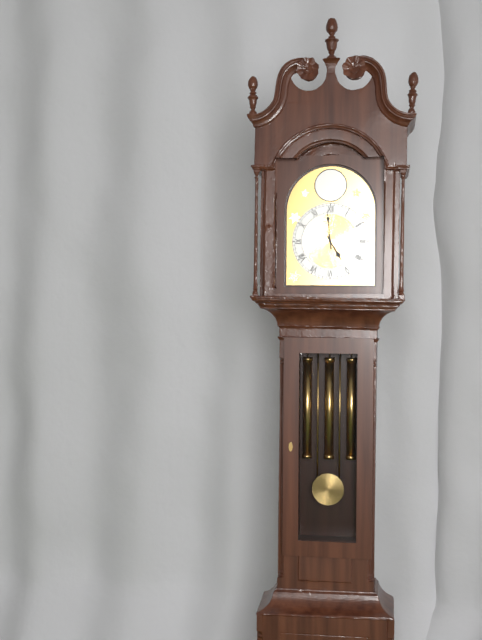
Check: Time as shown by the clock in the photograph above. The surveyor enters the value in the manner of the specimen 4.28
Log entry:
4.59
